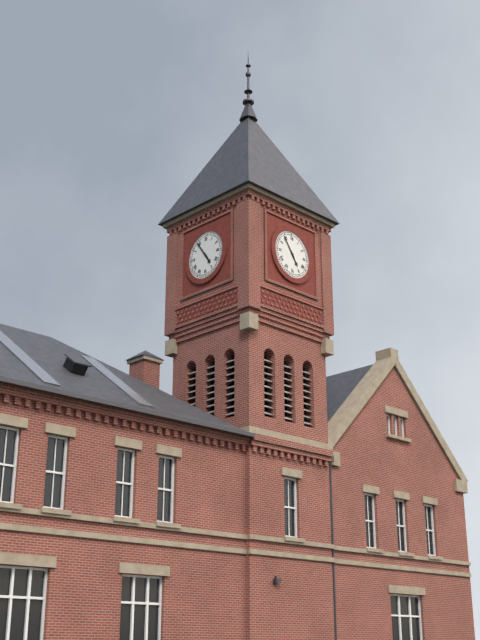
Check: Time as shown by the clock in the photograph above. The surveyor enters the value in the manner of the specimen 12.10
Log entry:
4.54
